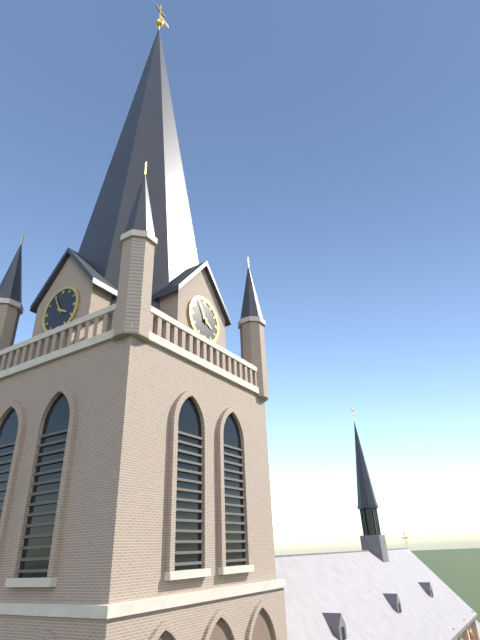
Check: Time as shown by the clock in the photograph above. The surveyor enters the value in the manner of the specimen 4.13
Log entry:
3.55
